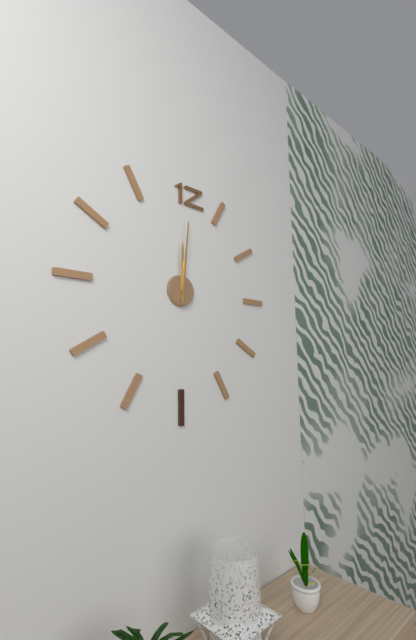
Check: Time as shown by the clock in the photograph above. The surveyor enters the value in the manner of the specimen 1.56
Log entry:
12.01
